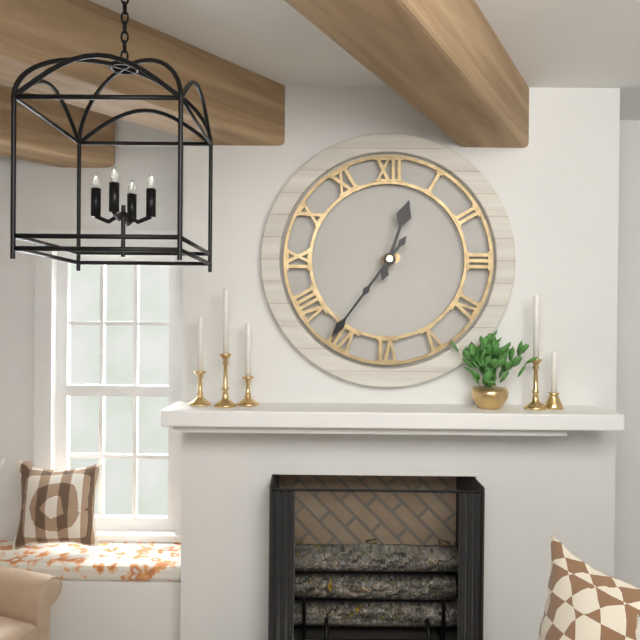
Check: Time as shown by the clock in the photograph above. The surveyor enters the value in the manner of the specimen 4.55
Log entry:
12.36
